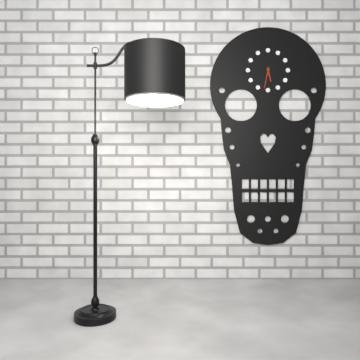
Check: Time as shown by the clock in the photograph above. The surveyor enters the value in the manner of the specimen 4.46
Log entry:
5.32
